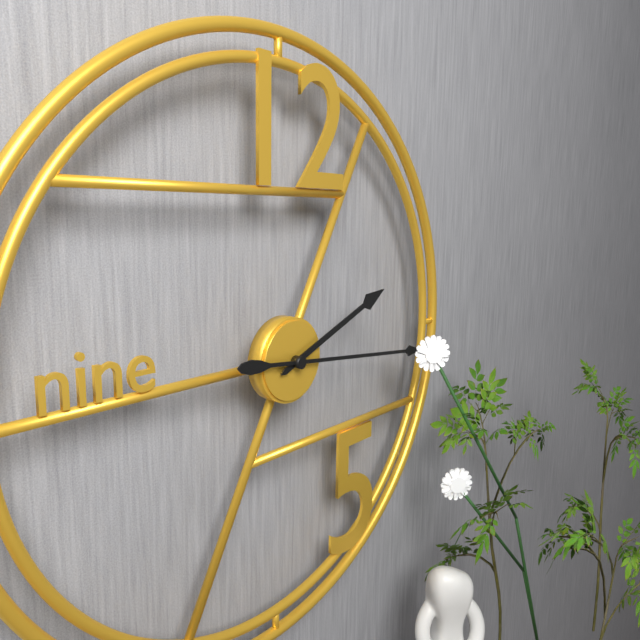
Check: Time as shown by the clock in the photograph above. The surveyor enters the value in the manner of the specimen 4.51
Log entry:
2.16
